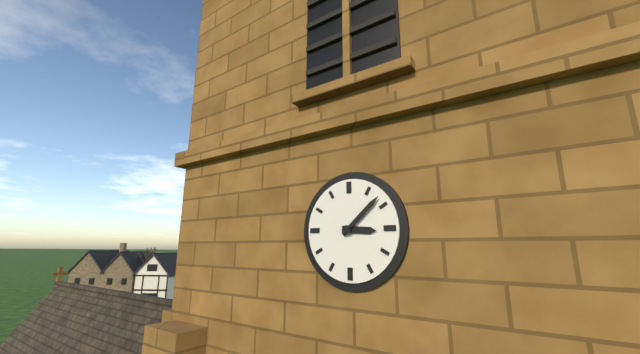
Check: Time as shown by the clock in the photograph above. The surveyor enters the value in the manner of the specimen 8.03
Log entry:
3.08
